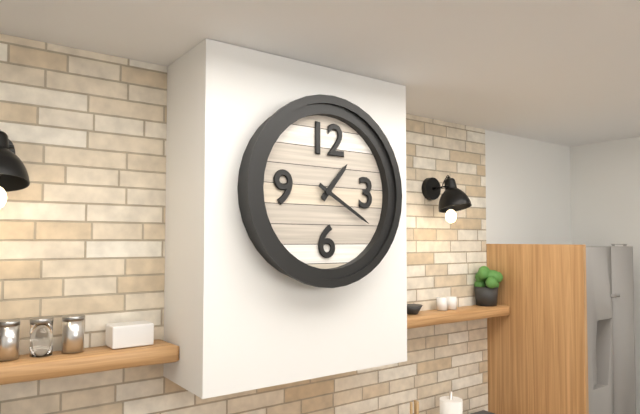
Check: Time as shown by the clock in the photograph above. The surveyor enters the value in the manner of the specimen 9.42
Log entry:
1.20
